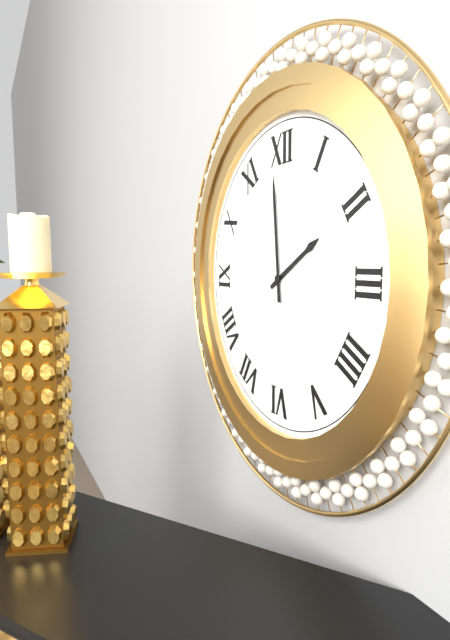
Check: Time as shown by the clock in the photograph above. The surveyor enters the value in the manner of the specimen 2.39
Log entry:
1.59
